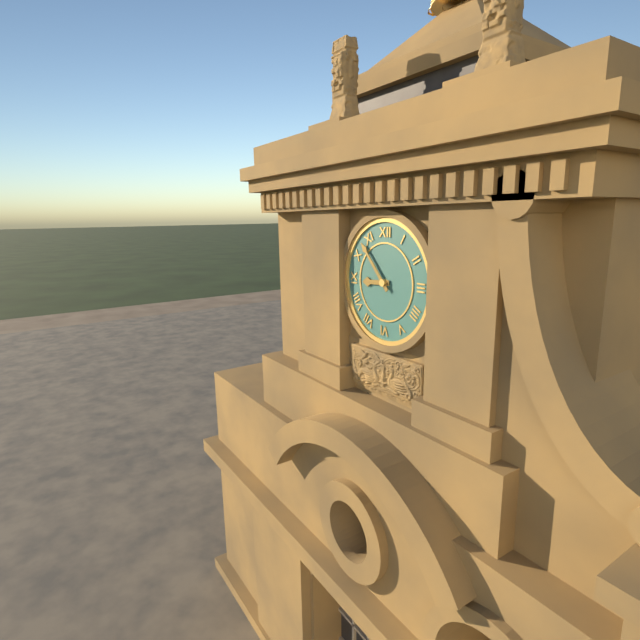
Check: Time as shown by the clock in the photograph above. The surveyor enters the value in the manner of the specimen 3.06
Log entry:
8.53
